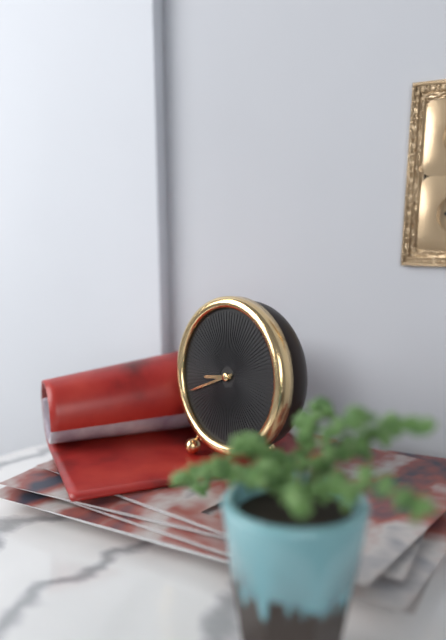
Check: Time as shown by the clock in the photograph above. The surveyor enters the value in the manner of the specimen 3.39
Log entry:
8.41
